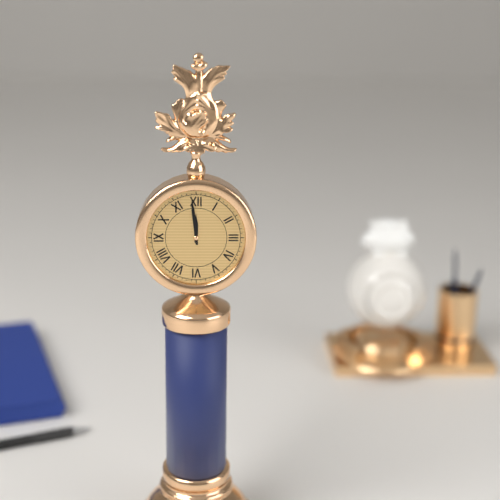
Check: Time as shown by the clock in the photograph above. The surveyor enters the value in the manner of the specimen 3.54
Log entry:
11.59
